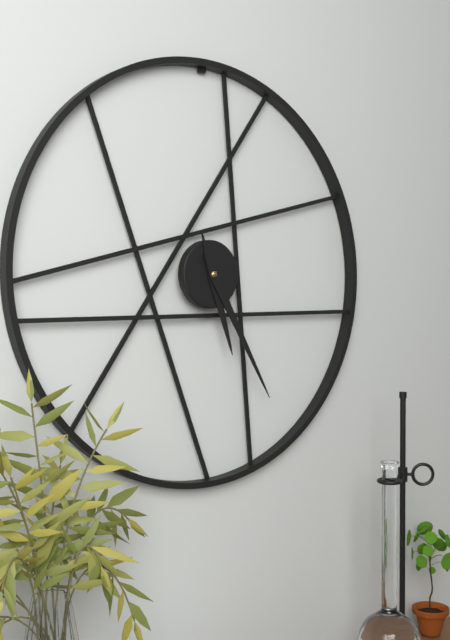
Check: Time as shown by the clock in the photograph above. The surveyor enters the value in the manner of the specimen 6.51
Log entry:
5.25
